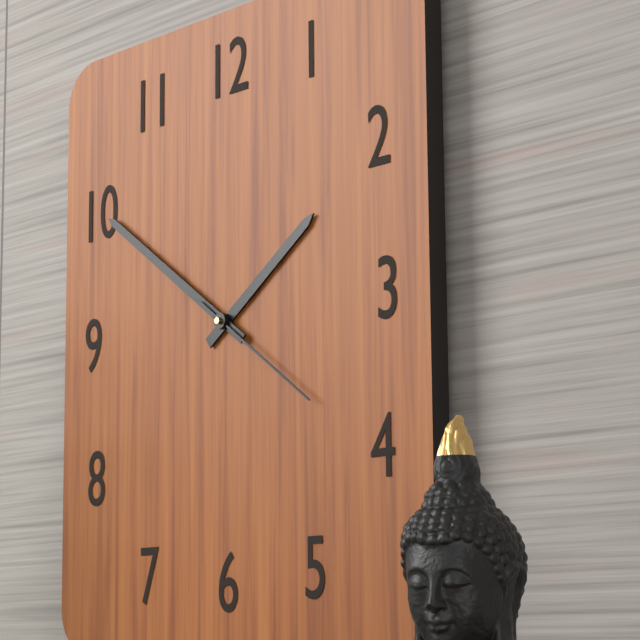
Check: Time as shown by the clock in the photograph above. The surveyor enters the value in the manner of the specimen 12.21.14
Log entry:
1.51.21
